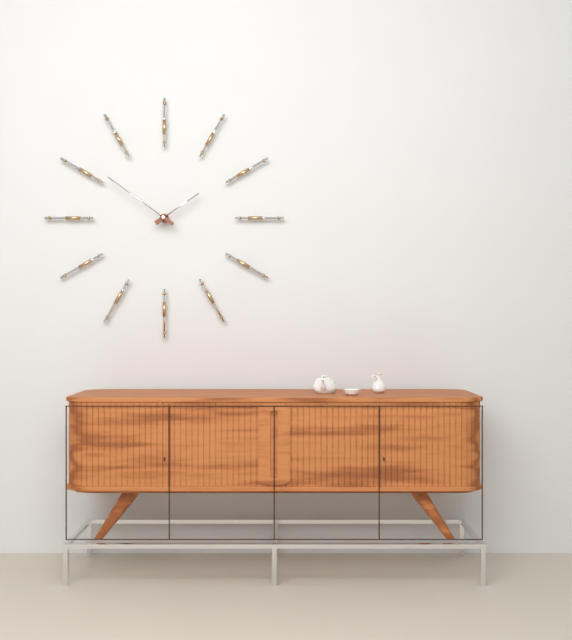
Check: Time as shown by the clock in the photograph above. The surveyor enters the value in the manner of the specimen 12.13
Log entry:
1.51
